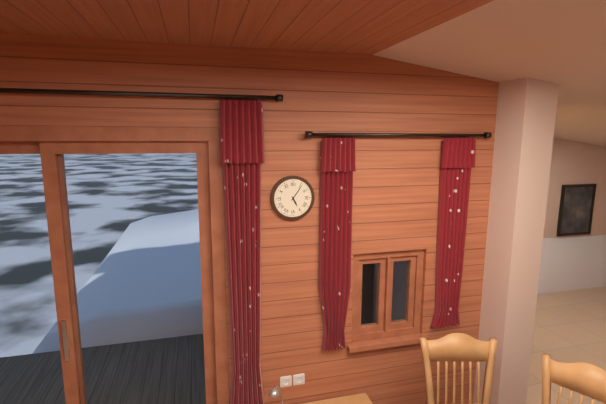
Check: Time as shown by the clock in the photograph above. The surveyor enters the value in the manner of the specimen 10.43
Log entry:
5.06
